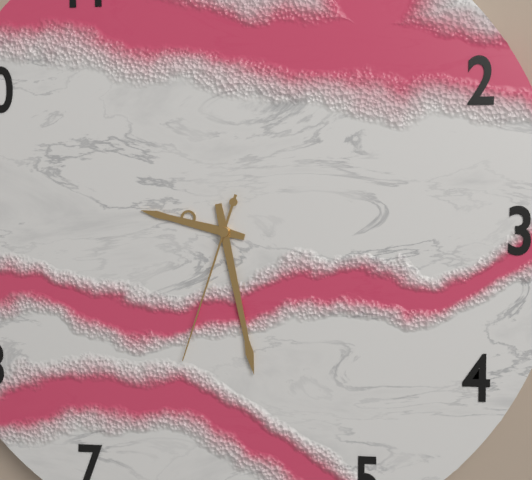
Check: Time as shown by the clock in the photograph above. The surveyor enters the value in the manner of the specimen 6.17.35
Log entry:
9.28.33
